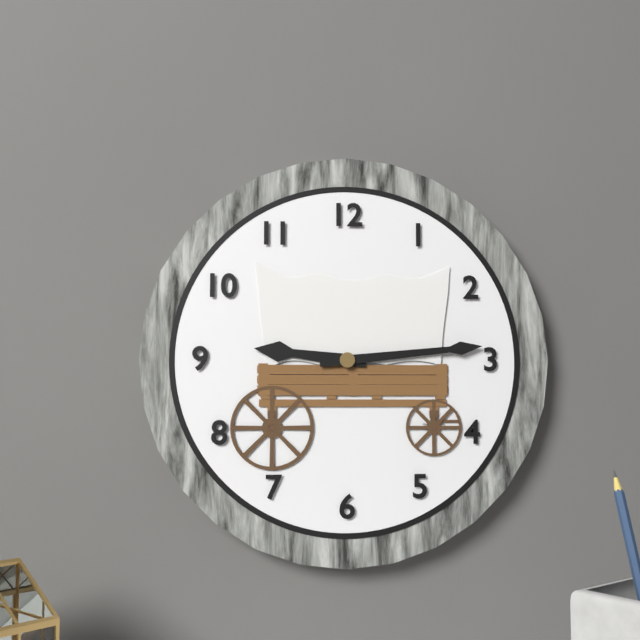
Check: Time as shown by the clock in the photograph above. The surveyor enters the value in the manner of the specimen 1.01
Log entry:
9.14
